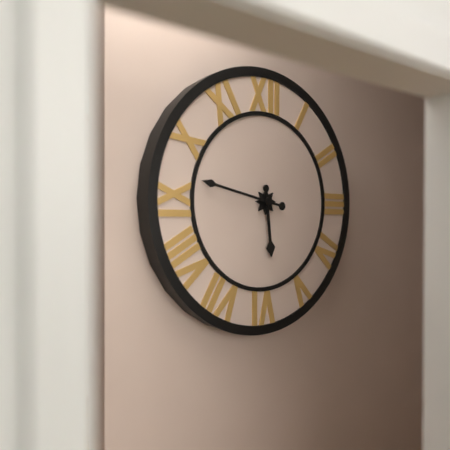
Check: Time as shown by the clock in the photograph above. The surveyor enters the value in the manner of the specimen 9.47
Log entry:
5.47
